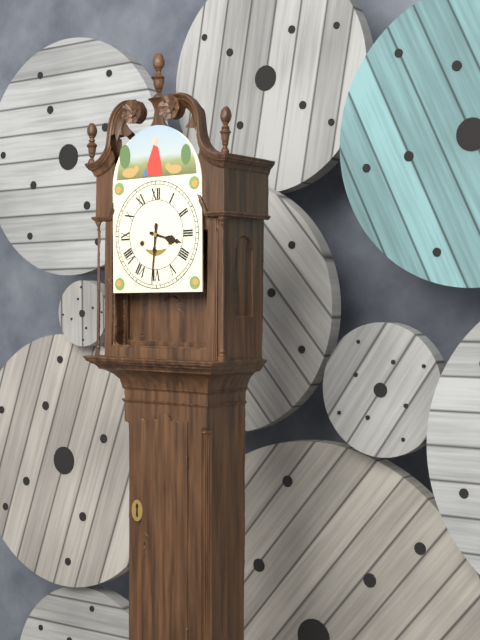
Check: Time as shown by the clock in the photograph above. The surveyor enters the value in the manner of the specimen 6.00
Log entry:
3.31
